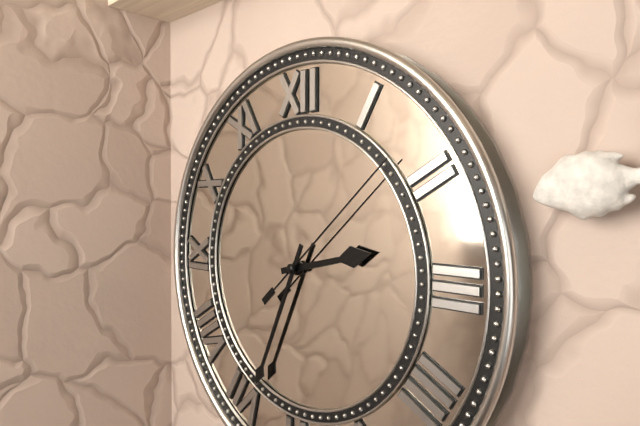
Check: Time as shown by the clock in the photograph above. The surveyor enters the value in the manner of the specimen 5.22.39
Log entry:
2.34.08
